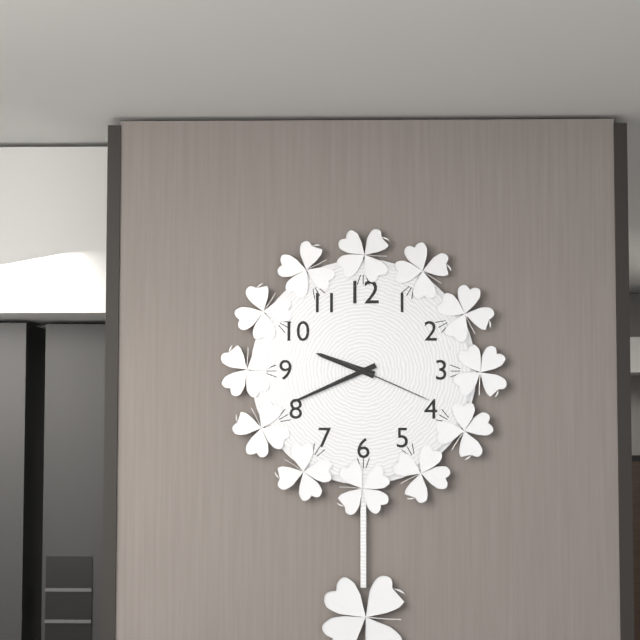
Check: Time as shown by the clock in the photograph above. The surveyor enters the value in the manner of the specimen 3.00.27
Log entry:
9.41.19
